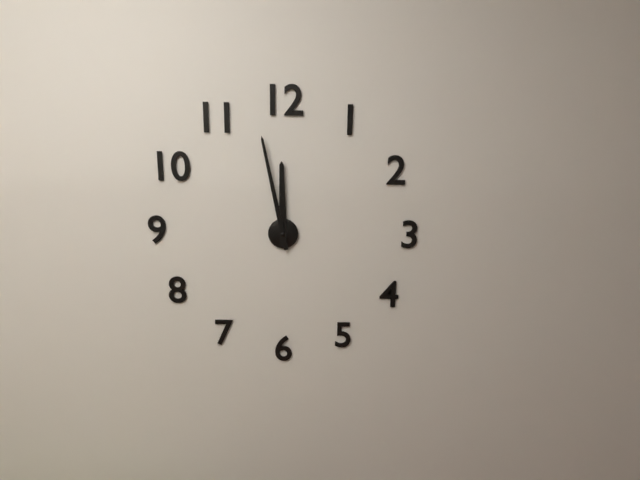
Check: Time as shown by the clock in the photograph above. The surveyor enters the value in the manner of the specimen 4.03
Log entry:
11.58
